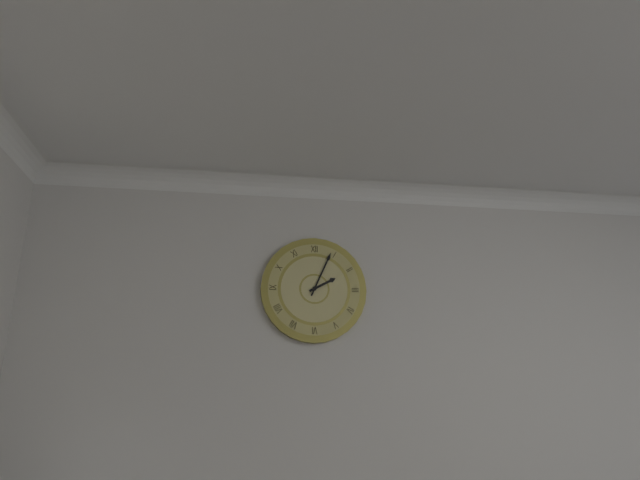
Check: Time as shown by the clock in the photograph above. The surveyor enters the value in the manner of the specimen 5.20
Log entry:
2.04
